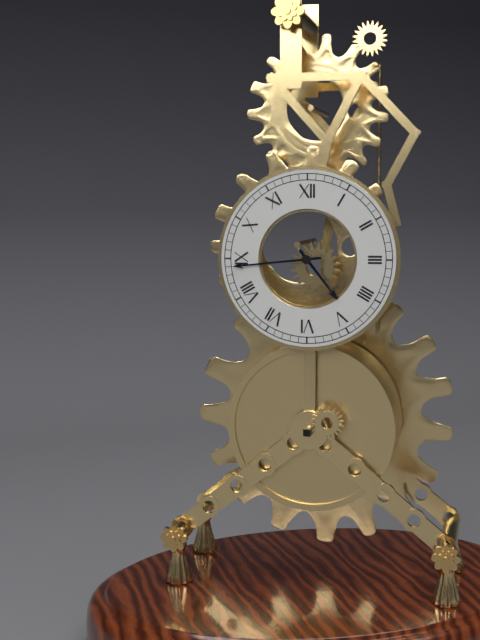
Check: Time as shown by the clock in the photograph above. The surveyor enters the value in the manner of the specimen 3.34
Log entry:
4.44
